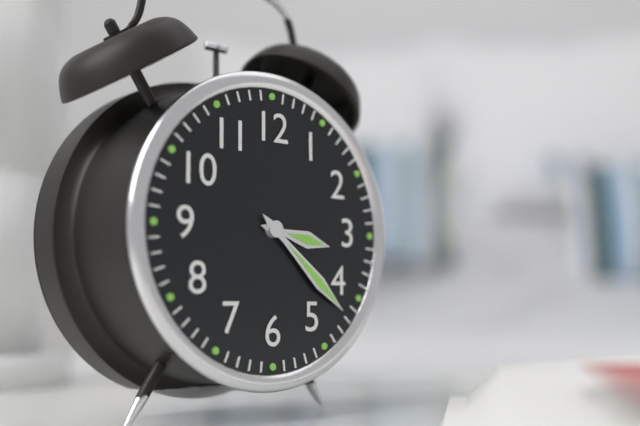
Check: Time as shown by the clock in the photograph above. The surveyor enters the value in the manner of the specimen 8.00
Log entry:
3.22
